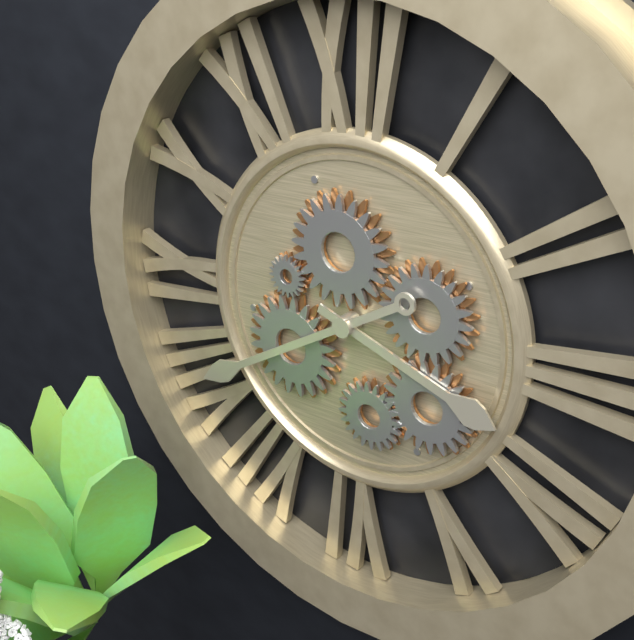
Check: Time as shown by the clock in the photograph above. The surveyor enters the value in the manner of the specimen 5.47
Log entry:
3.40
